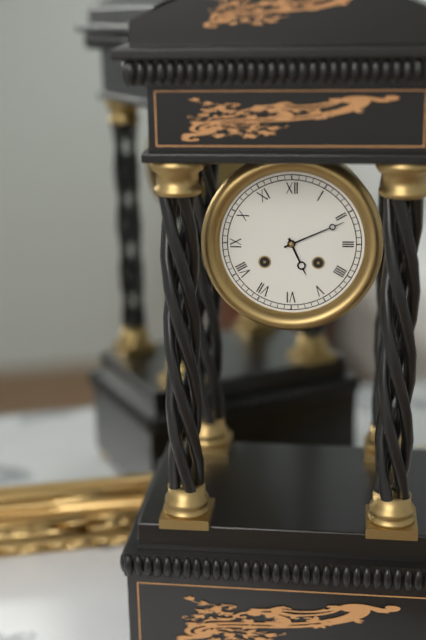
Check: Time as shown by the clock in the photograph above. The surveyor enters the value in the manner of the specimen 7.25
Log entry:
5.11
